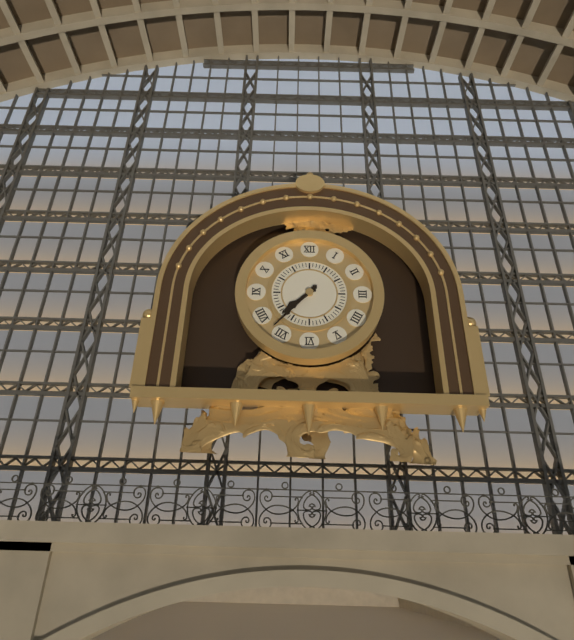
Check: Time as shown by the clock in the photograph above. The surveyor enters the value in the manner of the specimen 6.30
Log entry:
7.37
